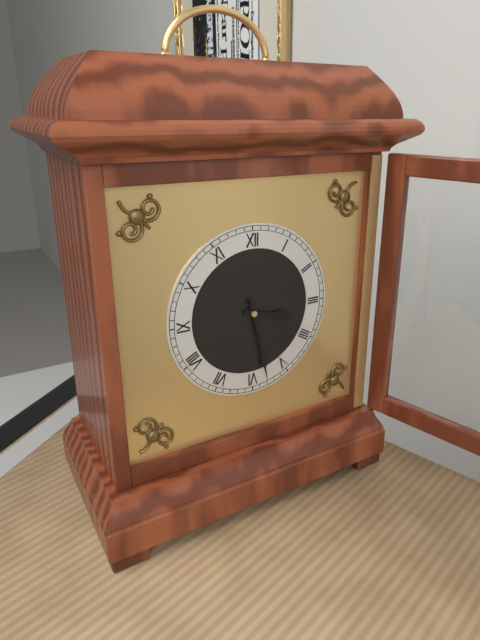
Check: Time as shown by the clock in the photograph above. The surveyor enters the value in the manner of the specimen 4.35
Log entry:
3.28
